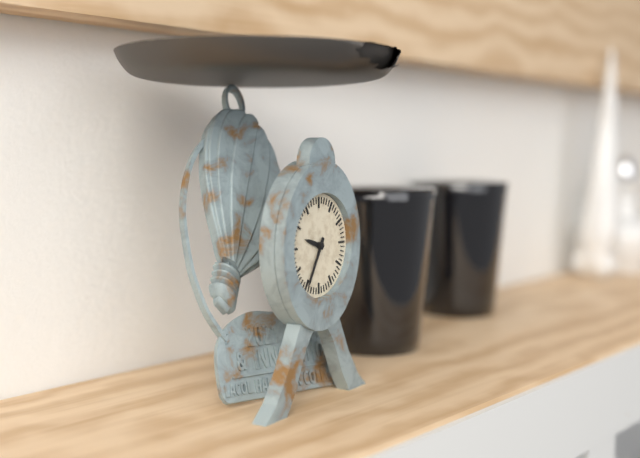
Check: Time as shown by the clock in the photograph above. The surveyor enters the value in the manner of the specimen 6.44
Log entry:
9.35
